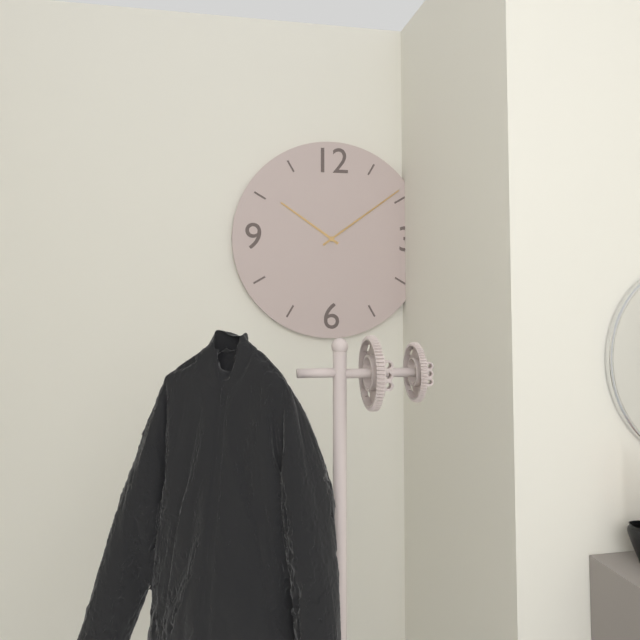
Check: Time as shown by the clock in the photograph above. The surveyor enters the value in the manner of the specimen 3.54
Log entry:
10.09
